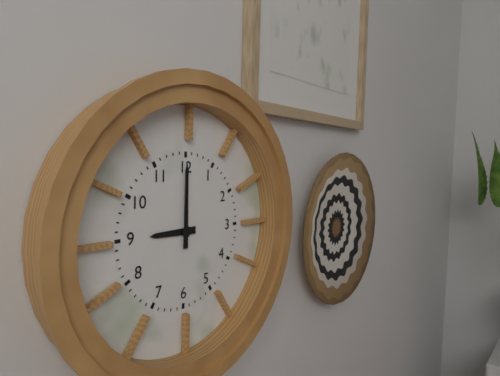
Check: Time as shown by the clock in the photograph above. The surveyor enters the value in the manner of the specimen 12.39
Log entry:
9.00
